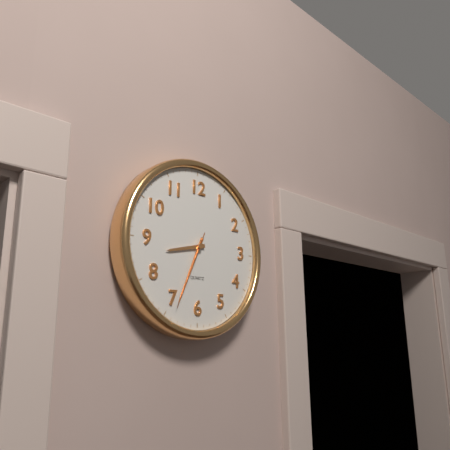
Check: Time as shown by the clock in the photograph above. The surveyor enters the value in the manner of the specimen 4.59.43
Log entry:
8.34.34
